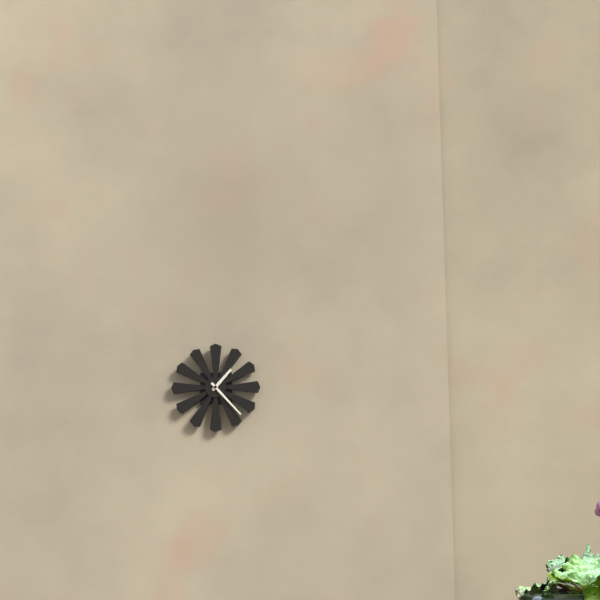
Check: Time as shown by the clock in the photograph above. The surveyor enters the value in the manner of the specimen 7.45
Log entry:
1.23
